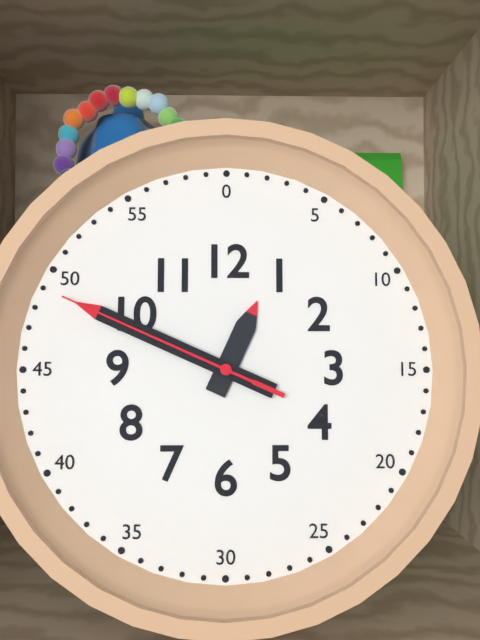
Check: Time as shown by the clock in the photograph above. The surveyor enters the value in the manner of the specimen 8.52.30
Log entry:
12.49.49
